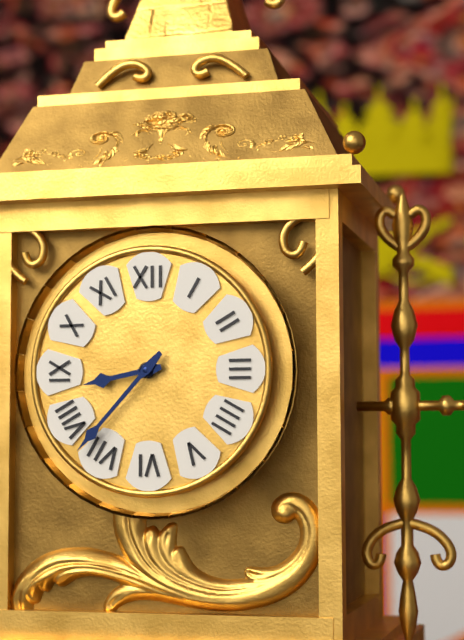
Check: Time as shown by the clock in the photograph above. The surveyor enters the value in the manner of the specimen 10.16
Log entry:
8.37
